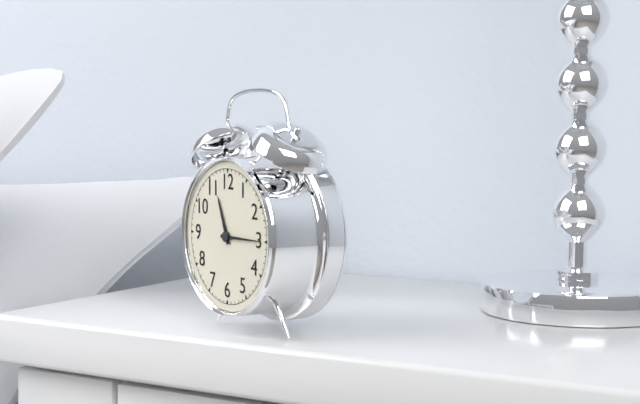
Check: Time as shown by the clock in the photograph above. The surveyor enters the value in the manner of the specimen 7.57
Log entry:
11.15
